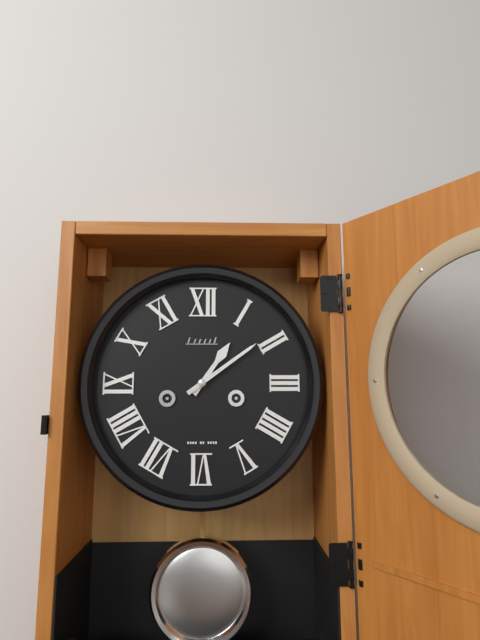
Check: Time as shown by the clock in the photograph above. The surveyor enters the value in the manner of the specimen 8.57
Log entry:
1.09
